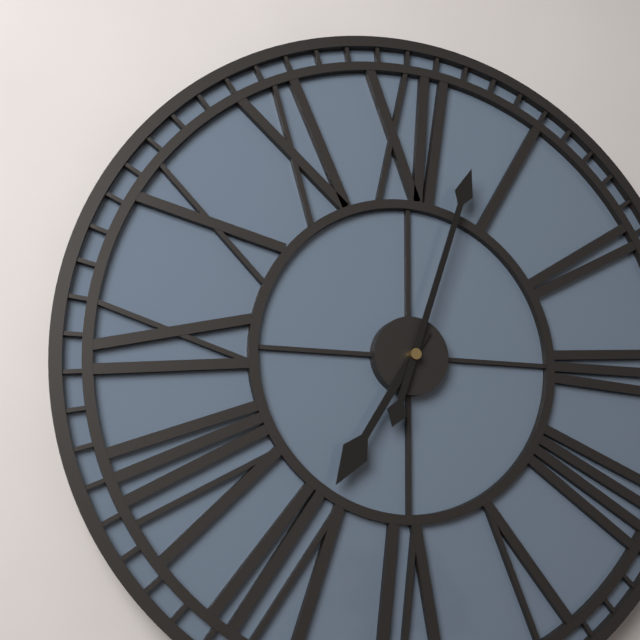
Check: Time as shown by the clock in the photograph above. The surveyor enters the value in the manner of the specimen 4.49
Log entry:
7.03
